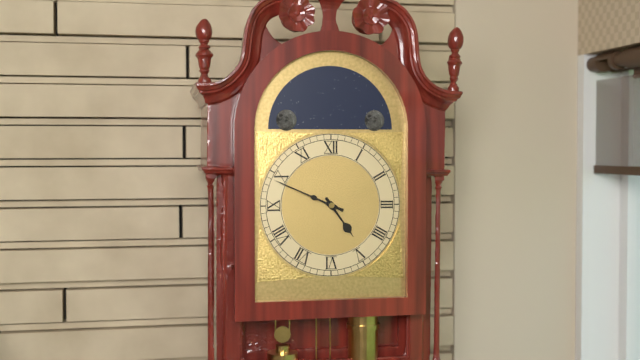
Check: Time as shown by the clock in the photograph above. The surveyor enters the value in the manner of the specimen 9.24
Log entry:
4.49
